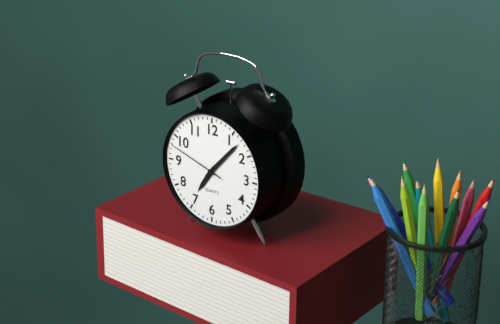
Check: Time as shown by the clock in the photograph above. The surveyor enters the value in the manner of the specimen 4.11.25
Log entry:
7.07.48
